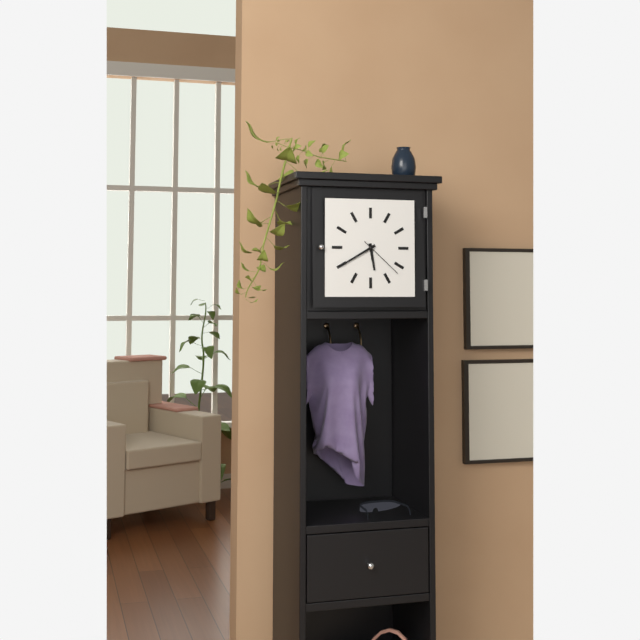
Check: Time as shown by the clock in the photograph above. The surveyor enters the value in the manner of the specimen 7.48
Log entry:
5.40
